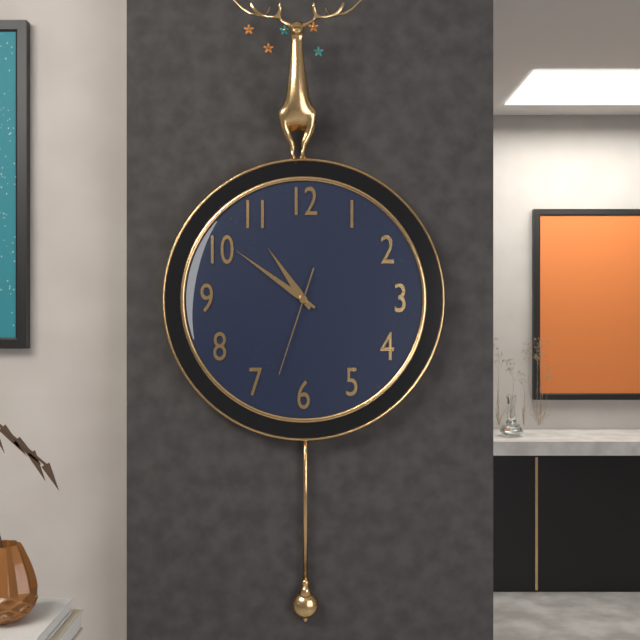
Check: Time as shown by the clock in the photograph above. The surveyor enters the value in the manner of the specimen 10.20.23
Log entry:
10.51.33
